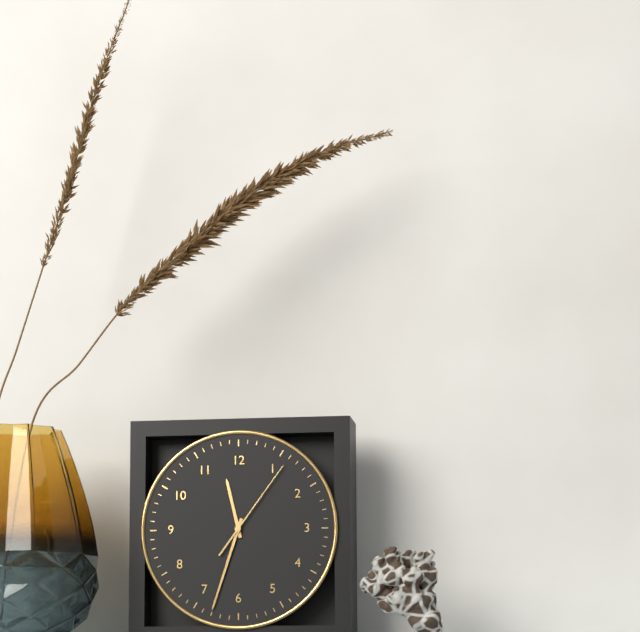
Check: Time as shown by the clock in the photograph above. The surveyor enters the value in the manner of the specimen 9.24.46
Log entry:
11.33.06
